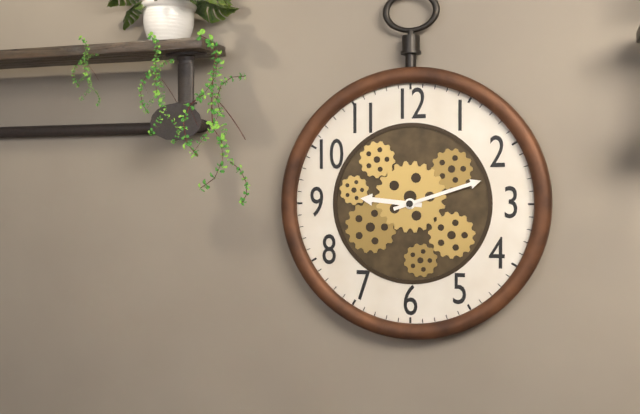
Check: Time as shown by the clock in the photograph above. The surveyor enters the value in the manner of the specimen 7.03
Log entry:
9.12
